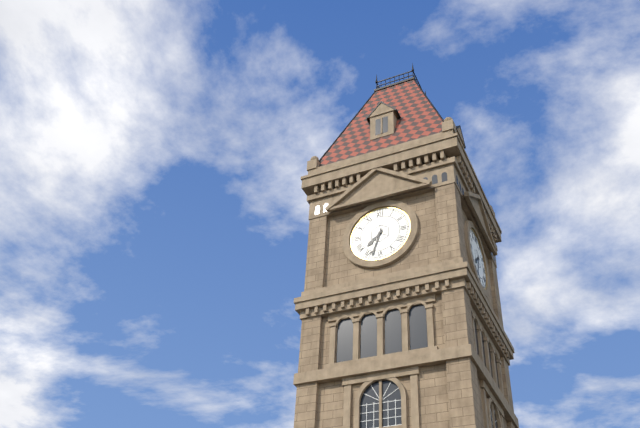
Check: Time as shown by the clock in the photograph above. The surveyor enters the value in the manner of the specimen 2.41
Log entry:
7.33
